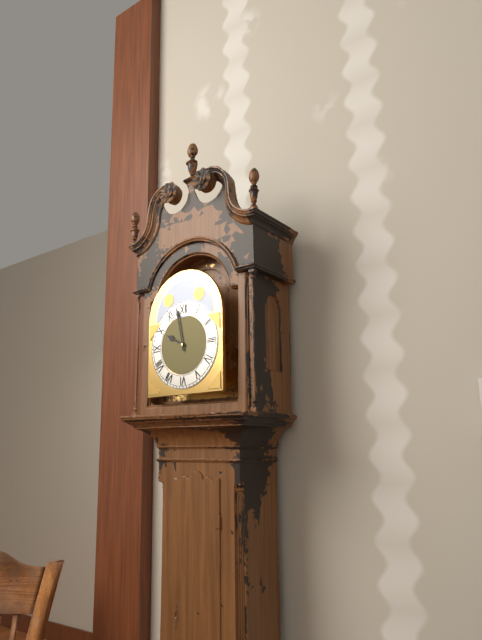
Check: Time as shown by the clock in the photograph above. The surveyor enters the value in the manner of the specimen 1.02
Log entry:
9.58
